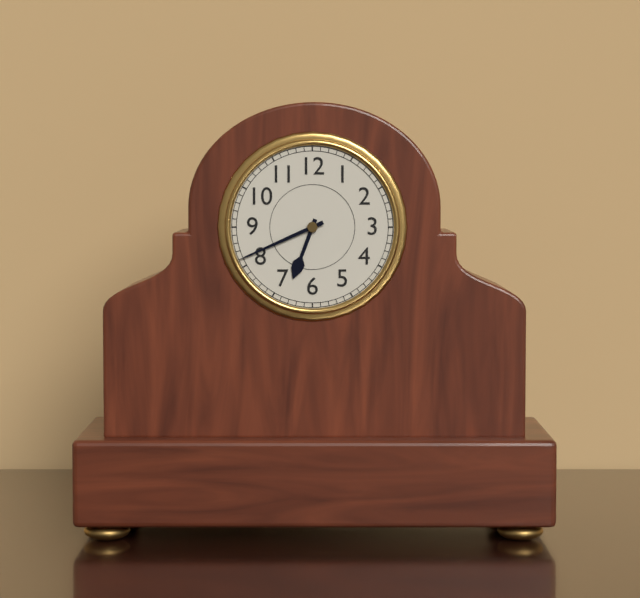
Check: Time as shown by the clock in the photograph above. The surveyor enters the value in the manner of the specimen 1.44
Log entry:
6.41
